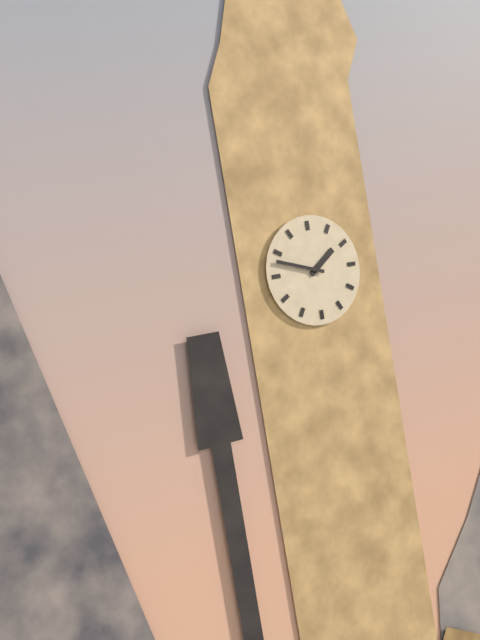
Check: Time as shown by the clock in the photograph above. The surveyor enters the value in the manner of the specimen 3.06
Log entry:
1.48
